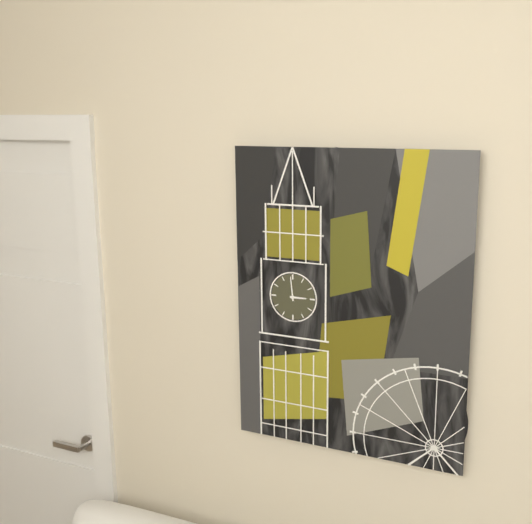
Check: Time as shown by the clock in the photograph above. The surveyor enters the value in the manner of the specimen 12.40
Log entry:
2.59
